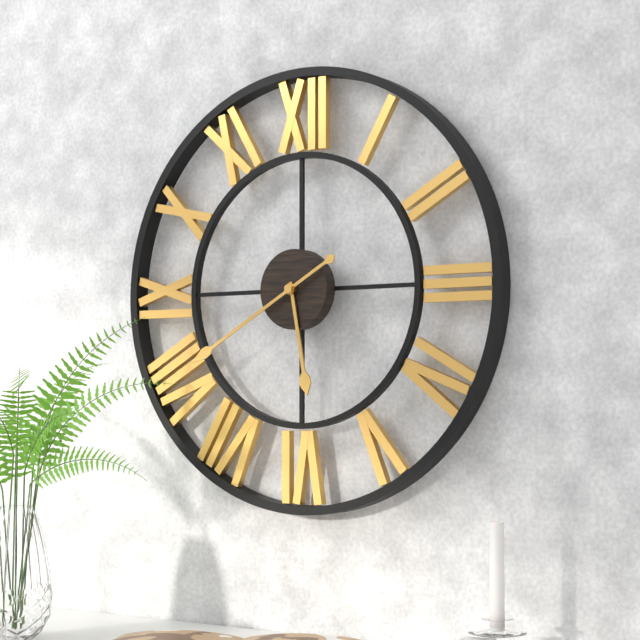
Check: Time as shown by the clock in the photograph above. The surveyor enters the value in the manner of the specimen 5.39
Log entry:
5.40
